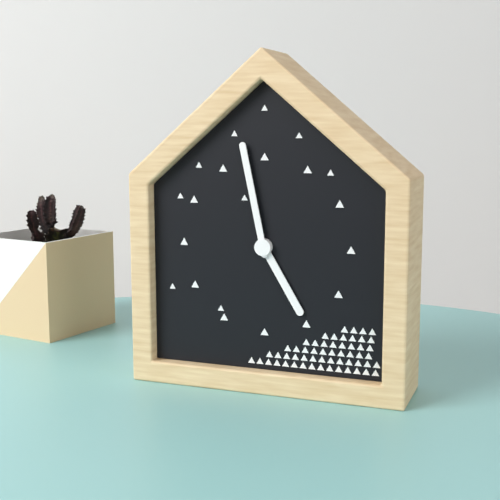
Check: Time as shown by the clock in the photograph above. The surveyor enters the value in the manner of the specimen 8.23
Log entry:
4.58
